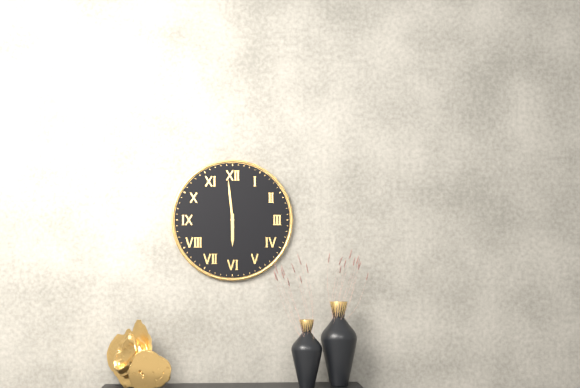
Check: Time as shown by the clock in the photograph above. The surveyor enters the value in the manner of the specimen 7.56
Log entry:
5.59
